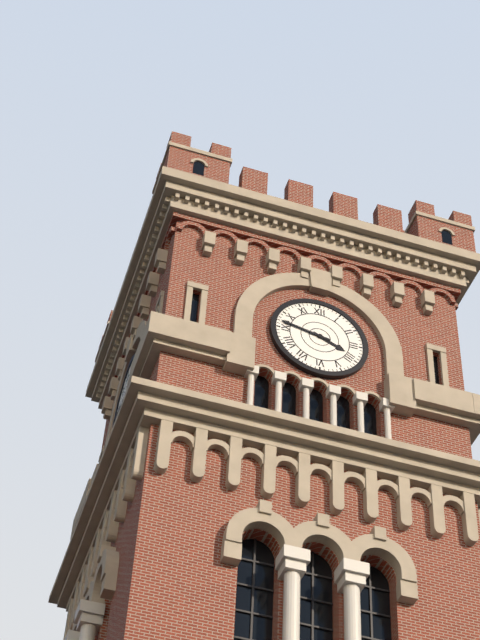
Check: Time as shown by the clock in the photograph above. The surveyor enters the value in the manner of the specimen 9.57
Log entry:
3.47
